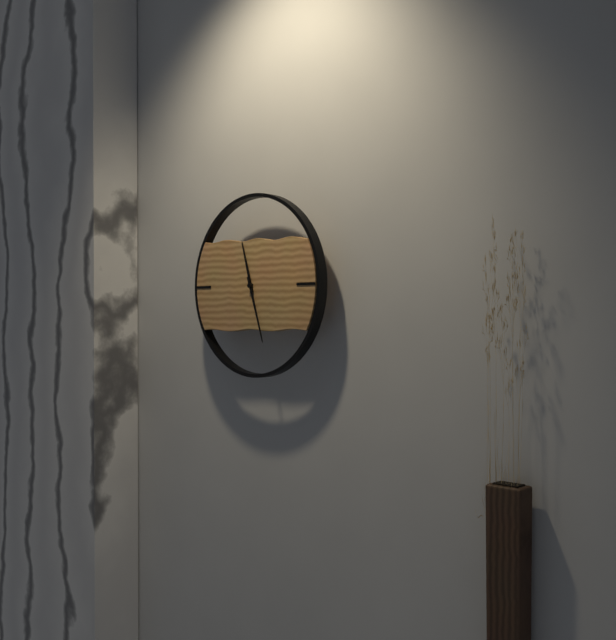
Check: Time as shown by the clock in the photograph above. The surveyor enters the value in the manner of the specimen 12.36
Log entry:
11.27
